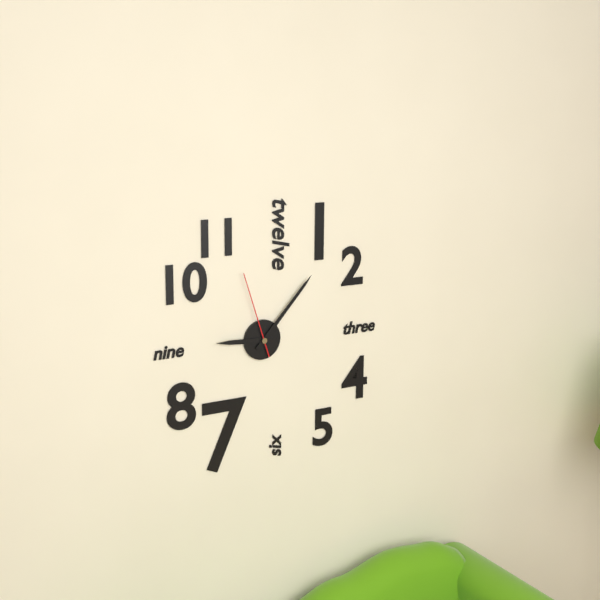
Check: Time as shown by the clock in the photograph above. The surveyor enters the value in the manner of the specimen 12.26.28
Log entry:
9.07.57
